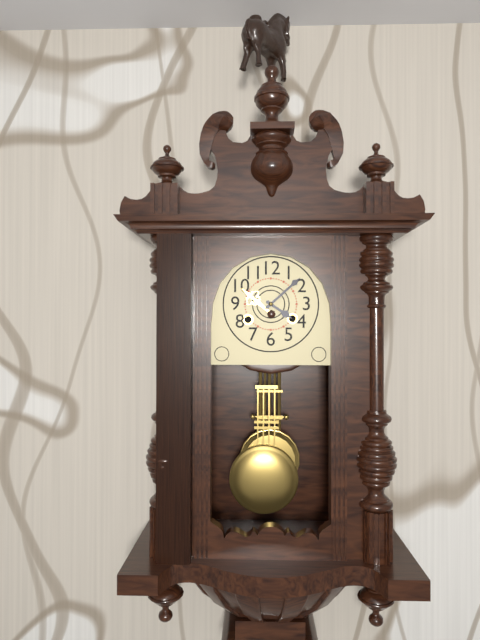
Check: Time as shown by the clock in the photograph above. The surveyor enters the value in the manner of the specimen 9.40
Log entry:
4.08
